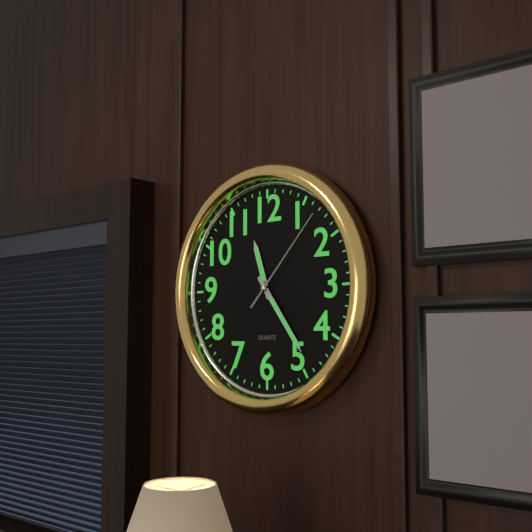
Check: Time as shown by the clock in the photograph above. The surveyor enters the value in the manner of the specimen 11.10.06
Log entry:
11.24.07
